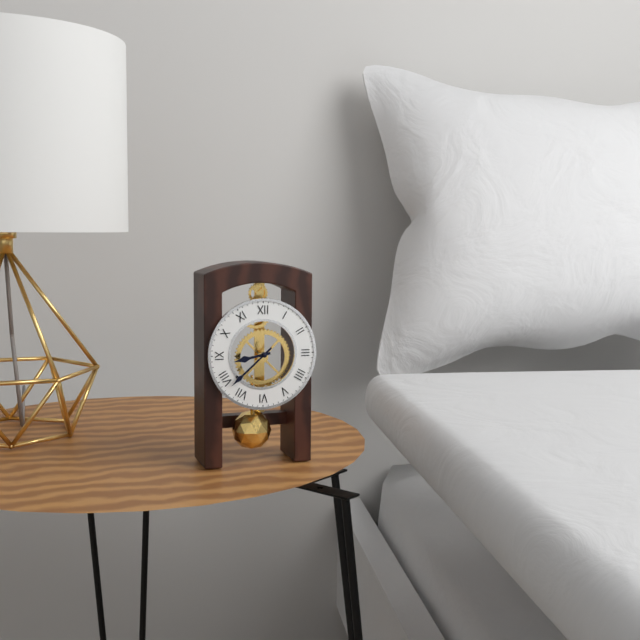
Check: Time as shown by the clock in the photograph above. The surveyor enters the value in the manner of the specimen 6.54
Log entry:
8.38
